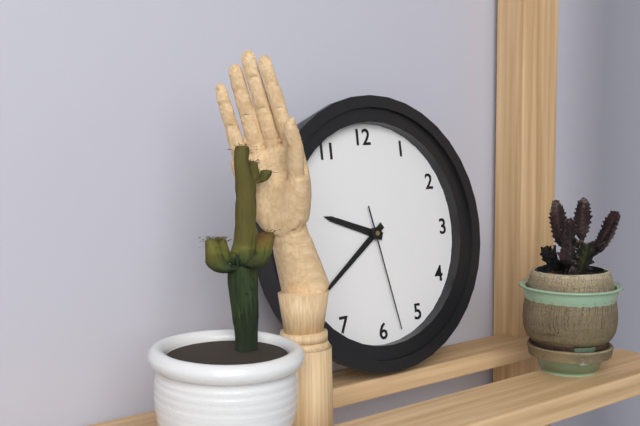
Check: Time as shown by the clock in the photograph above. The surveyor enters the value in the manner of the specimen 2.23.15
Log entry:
9.39.28
